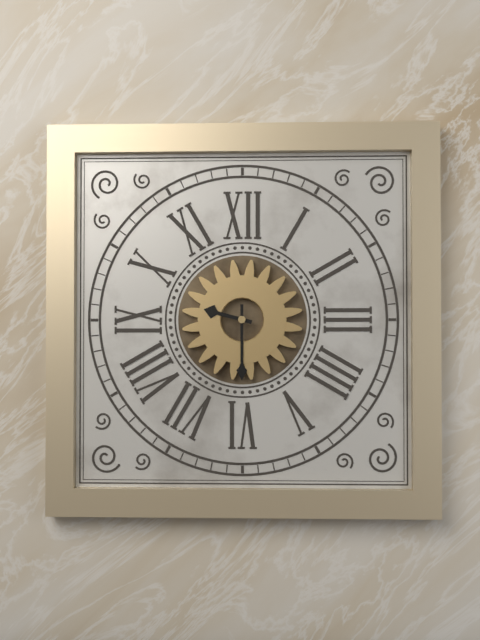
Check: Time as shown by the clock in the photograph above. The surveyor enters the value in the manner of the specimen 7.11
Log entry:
9.30
